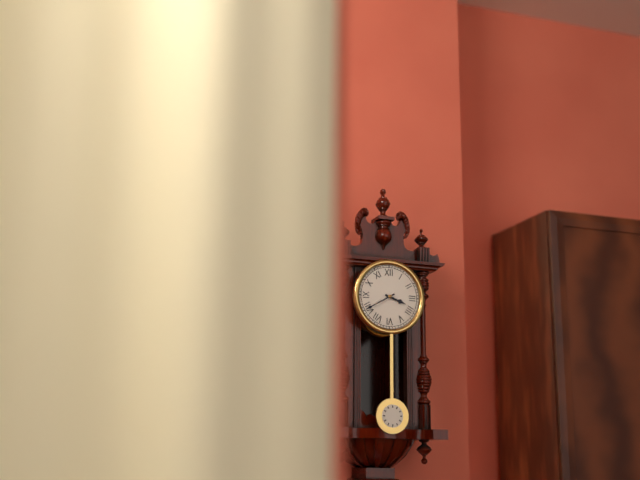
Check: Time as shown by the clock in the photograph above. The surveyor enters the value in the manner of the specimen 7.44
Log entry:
3.40
